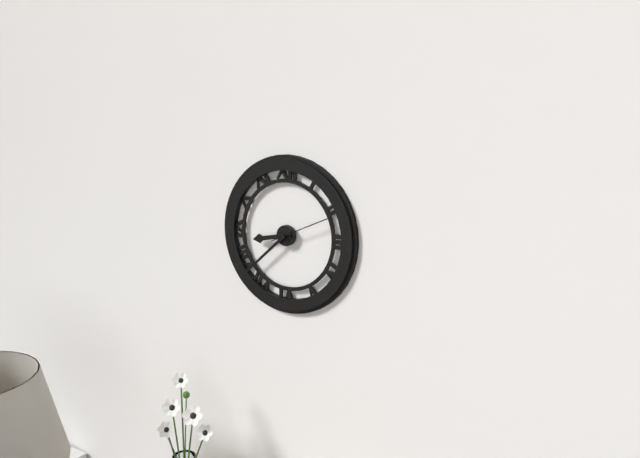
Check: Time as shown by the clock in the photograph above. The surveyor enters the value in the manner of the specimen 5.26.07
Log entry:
8.38.11
